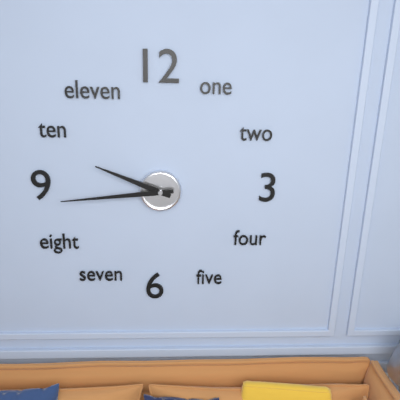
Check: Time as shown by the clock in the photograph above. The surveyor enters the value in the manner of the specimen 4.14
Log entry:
9.44
